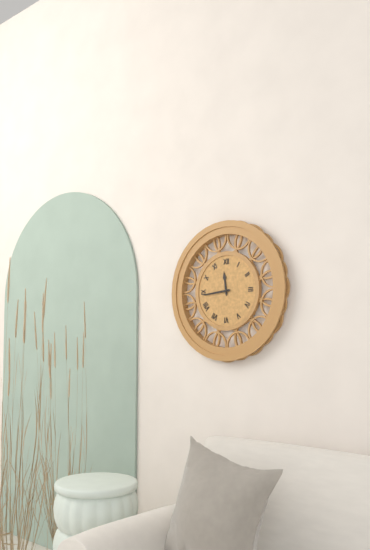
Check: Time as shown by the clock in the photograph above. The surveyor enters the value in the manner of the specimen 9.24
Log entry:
11.44
